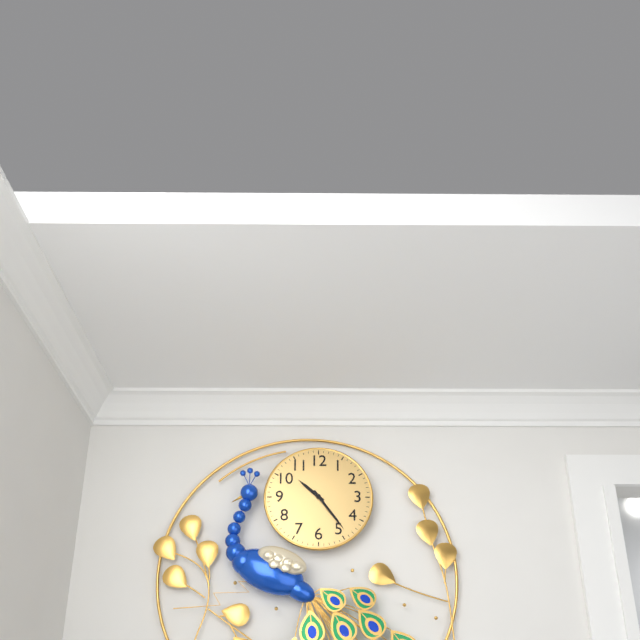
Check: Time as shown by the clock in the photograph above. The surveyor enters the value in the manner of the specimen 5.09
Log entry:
10.24
